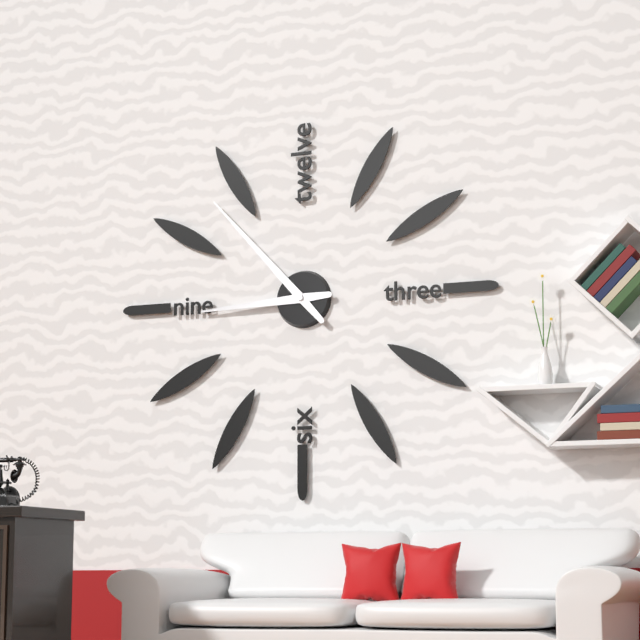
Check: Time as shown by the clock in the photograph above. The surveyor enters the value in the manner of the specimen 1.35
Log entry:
8.53
